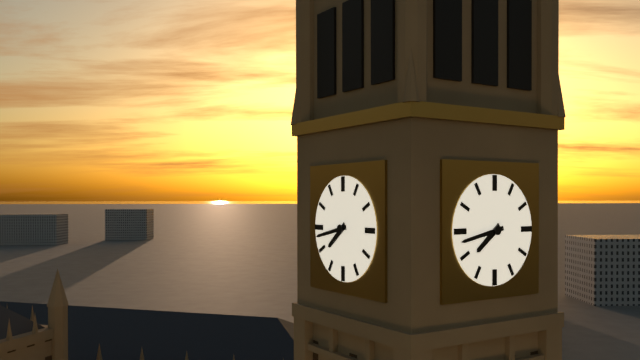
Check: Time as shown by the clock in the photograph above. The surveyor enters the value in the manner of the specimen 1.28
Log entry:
7.43
